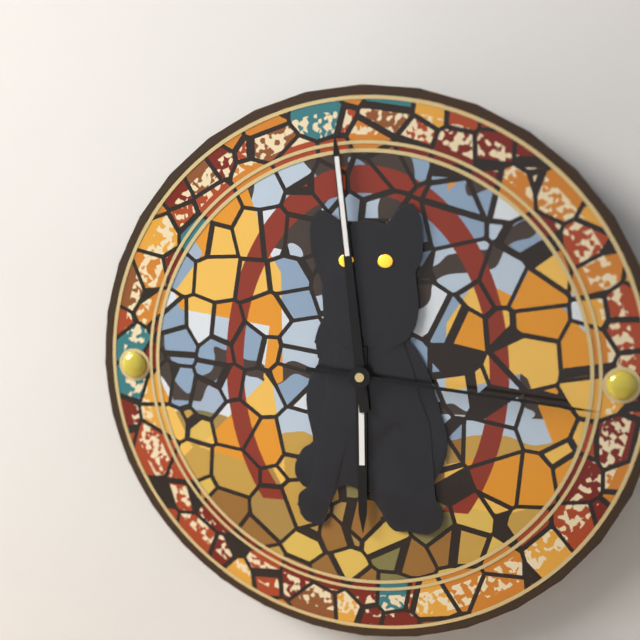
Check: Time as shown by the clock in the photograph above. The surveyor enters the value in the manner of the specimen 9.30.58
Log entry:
5.59.16
